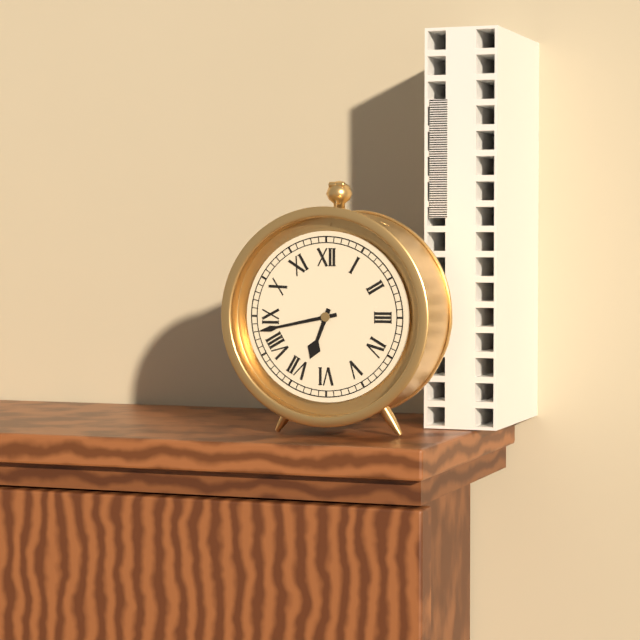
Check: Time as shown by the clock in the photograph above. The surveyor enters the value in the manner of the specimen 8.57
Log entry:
6.43
